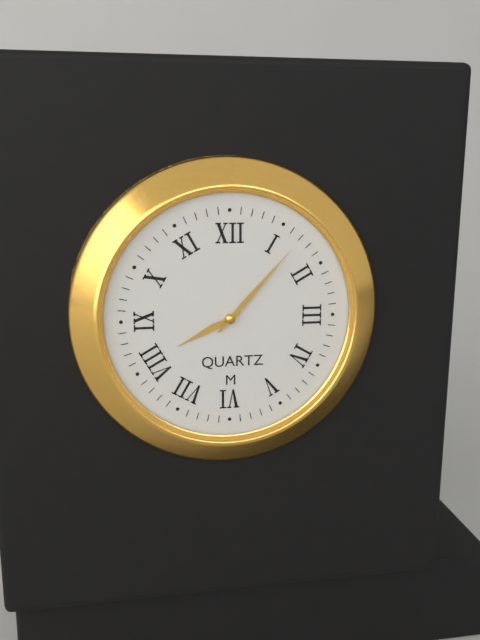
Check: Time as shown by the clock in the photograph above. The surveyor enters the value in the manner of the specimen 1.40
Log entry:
8.07
